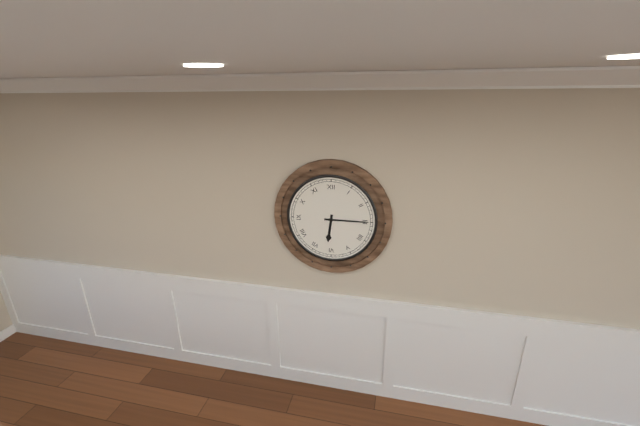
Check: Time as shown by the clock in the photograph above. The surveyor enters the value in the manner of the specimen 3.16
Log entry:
6.15
